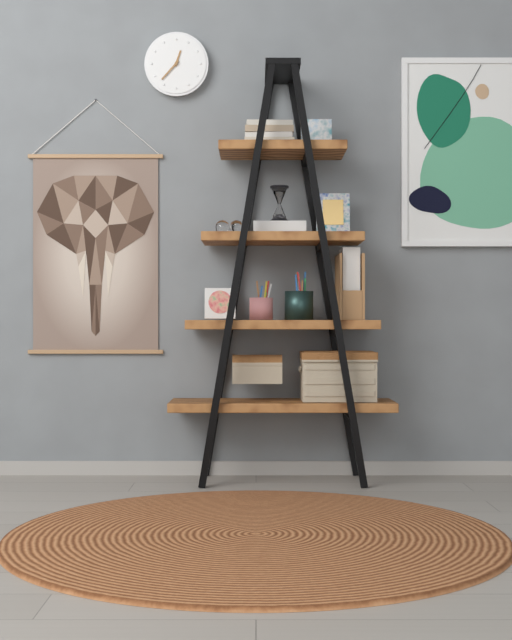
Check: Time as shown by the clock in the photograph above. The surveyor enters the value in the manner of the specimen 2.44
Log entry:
12.37
